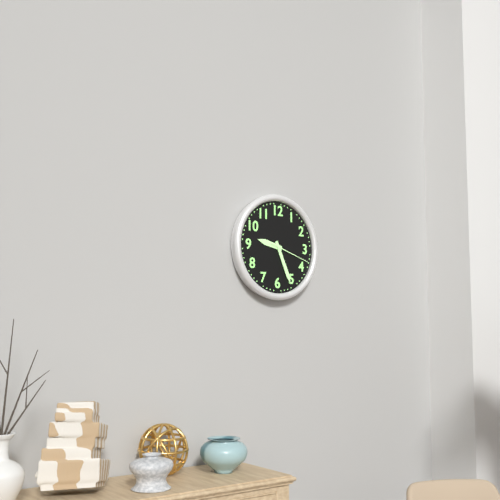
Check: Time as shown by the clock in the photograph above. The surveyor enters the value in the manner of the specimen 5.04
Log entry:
9.26
